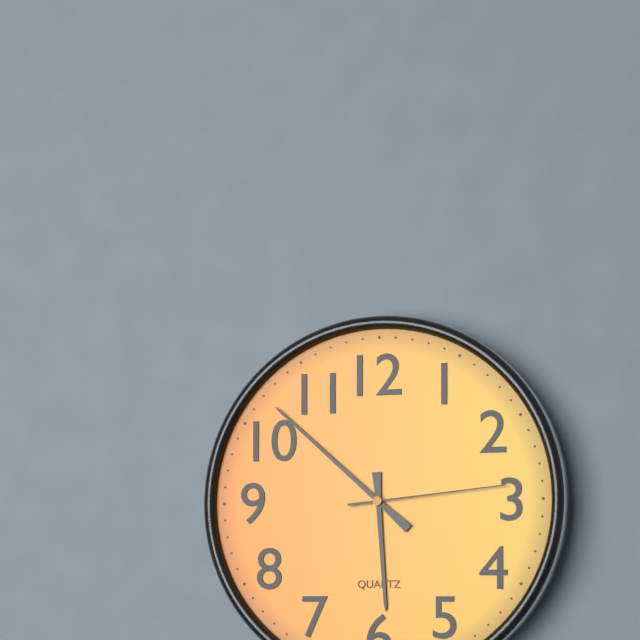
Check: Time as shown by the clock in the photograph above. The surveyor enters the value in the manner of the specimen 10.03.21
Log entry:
5.52.14
